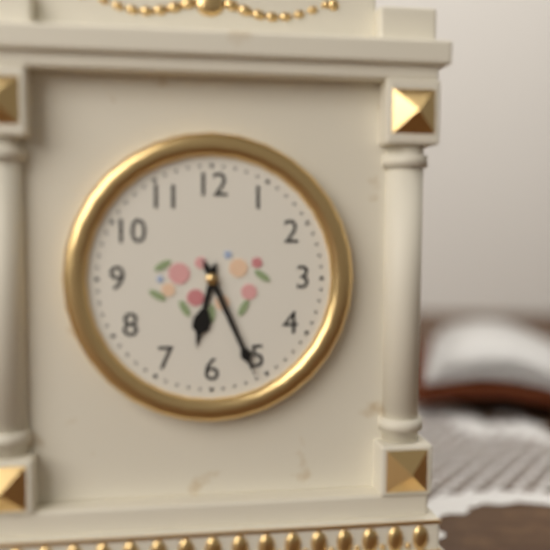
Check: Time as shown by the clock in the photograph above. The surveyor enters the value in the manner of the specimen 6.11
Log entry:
6.26
